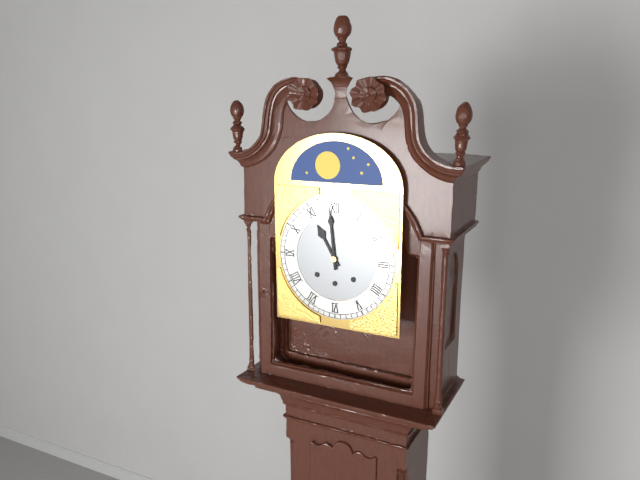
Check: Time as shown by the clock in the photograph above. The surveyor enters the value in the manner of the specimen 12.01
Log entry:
10.59
